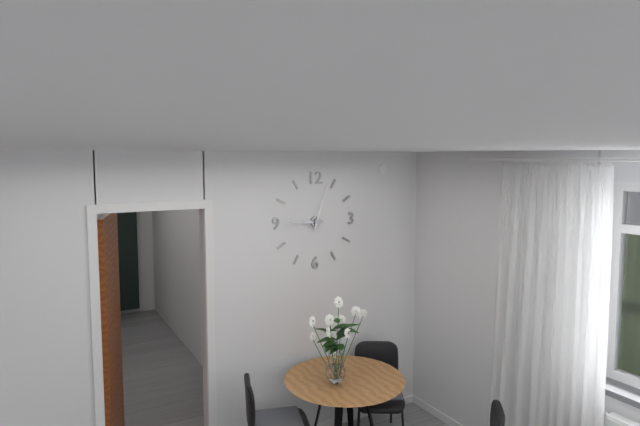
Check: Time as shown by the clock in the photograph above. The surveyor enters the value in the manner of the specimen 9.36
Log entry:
9.03
